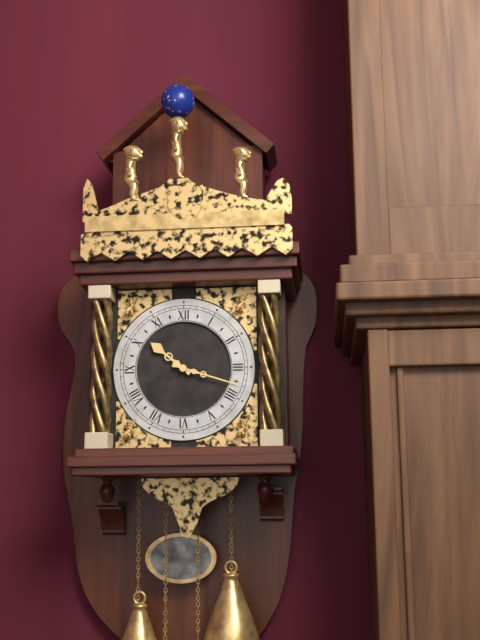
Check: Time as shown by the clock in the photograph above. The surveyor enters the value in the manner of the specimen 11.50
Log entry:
10.18
